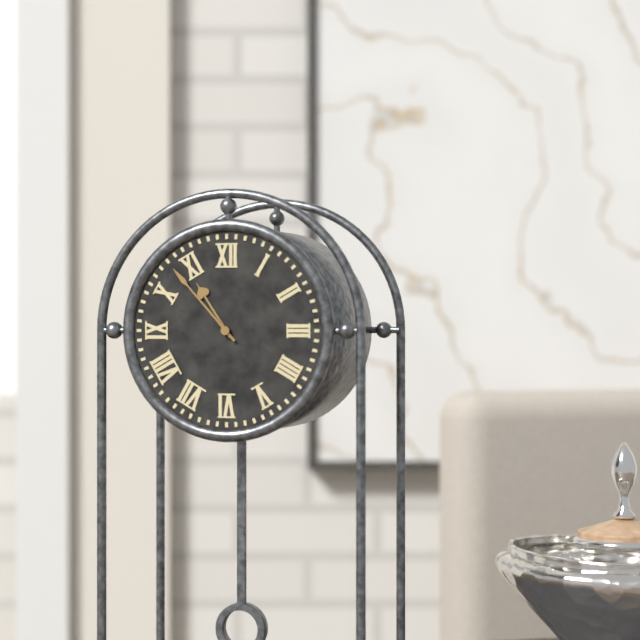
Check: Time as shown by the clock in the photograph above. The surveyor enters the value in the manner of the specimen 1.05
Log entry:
10.53
